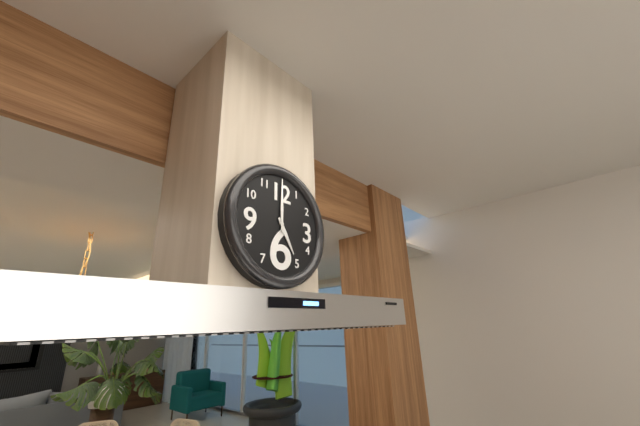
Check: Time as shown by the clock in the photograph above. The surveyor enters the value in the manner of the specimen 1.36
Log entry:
5.00
